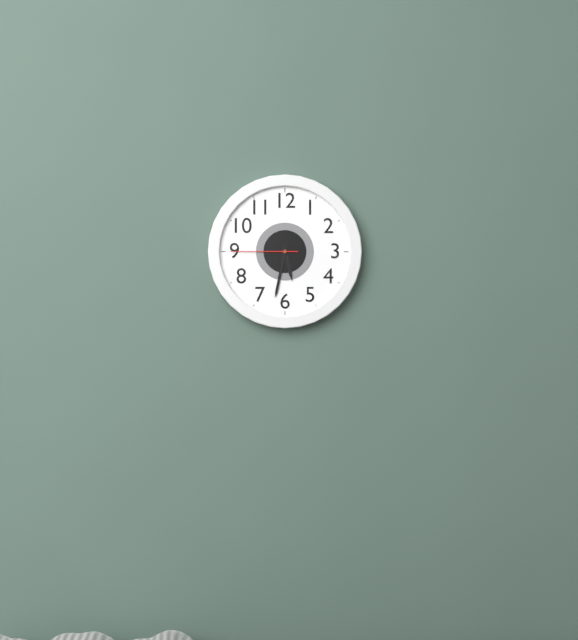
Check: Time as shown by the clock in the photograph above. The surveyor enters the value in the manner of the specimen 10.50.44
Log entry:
5.32.45
